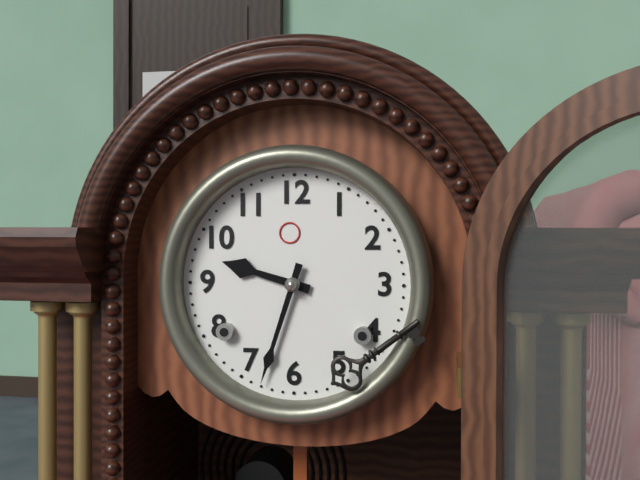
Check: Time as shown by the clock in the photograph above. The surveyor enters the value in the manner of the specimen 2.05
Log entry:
9.33
